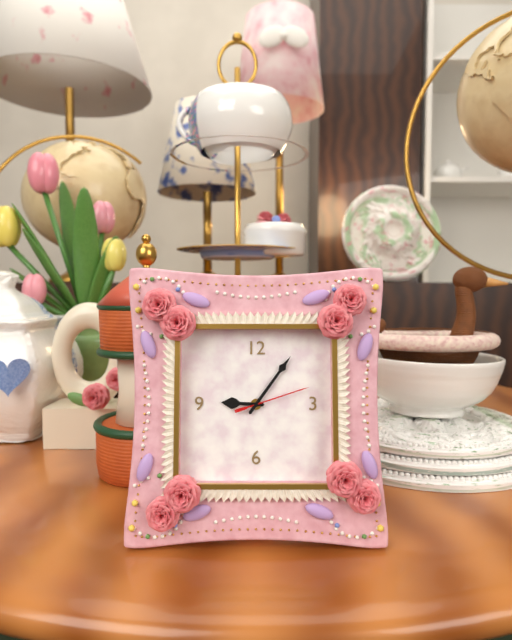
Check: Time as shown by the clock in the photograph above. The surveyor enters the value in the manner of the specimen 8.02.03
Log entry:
9.06.12
